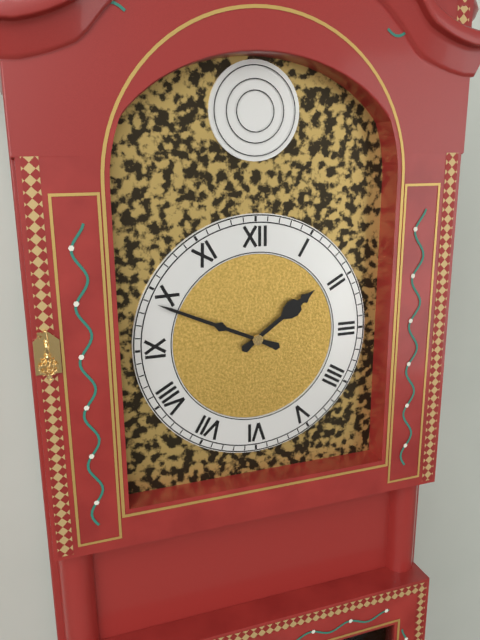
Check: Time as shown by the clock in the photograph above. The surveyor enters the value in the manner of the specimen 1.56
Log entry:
1.49
